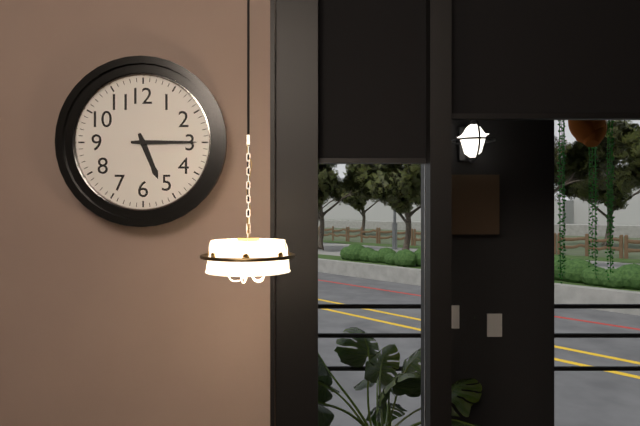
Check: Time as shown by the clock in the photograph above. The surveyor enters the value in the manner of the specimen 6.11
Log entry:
5.15
